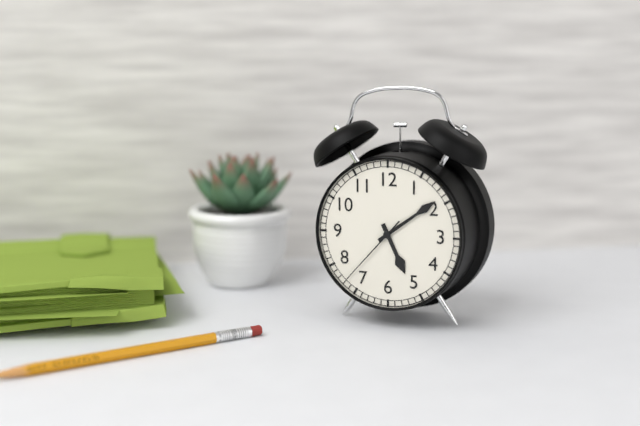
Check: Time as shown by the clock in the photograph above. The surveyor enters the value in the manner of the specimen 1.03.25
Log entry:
5.09.37
